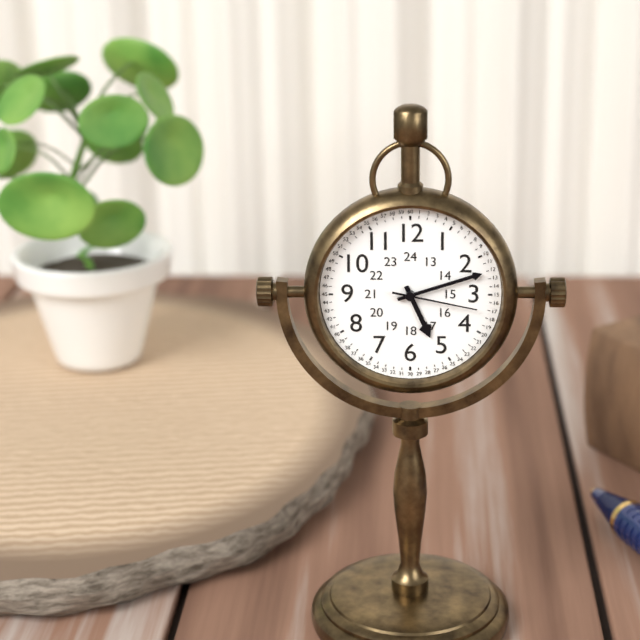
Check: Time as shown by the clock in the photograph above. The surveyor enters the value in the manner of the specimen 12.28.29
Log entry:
5.12.17
